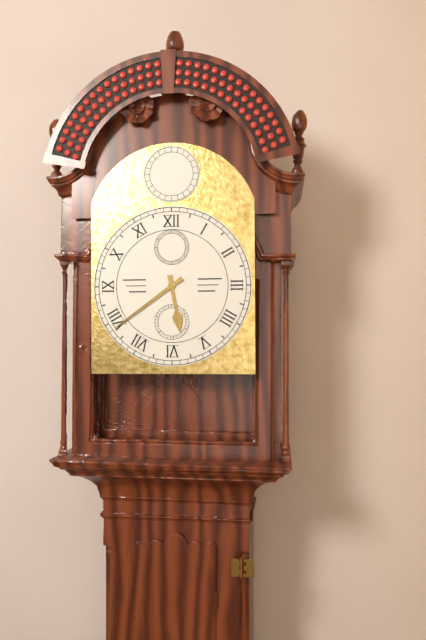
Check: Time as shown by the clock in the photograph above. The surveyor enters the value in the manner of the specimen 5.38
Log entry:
5.39
